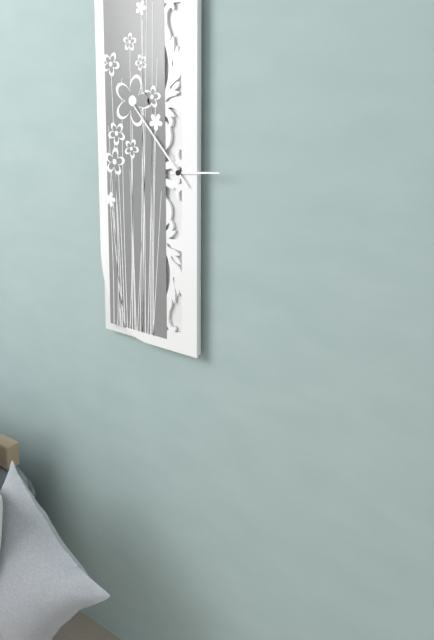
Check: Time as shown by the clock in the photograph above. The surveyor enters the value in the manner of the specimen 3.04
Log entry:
2.53
